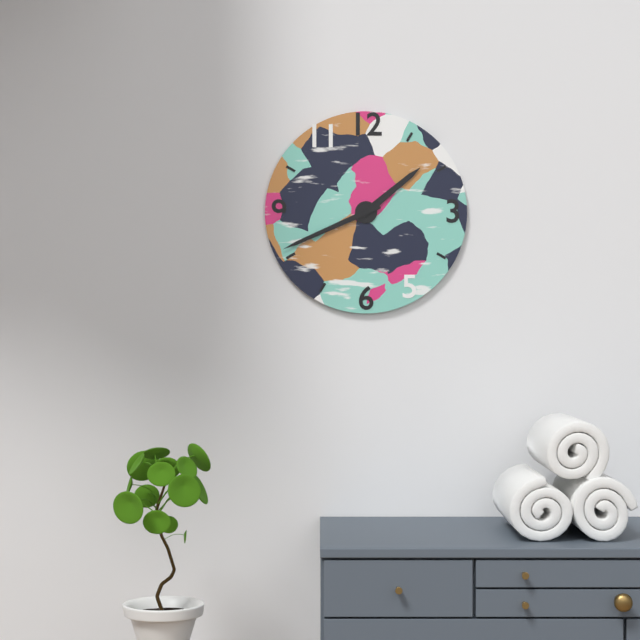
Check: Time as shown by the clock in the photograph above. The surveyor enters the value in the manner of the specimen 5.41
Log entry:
1.41
